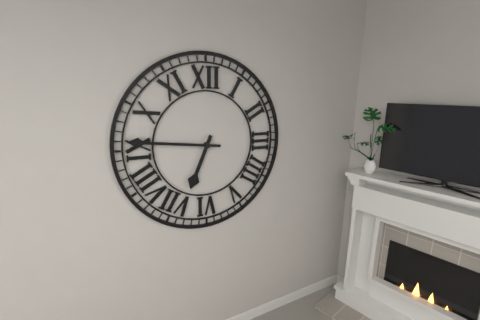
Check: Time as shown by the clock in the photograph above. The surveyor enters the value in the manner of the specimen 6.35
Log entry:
6.46
